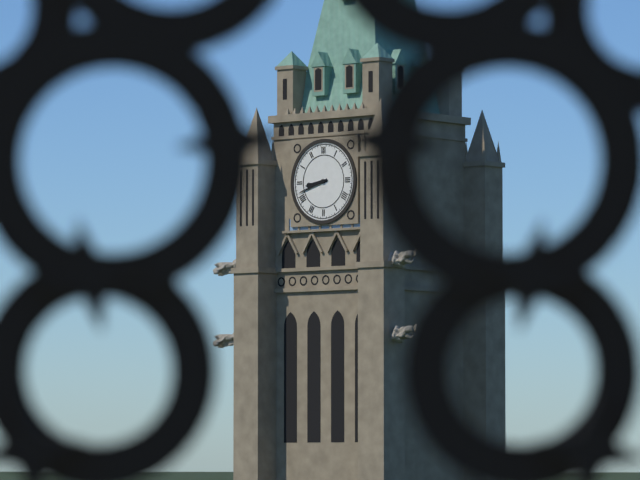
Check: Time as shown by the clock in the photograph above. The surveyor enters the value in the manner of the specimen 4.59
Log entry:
8.42
